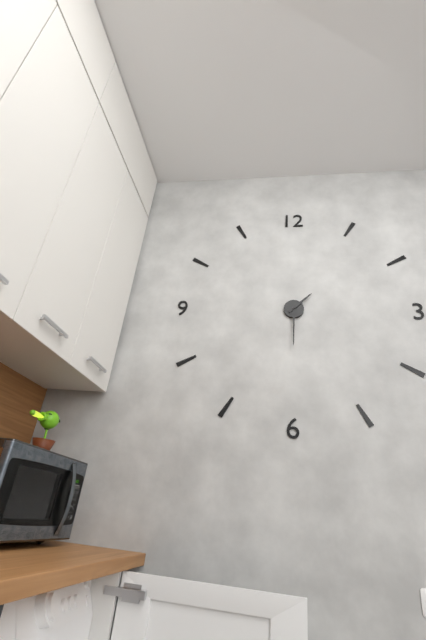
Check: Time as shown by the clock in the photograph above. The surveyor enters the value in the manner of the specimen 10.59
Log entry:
1.30
